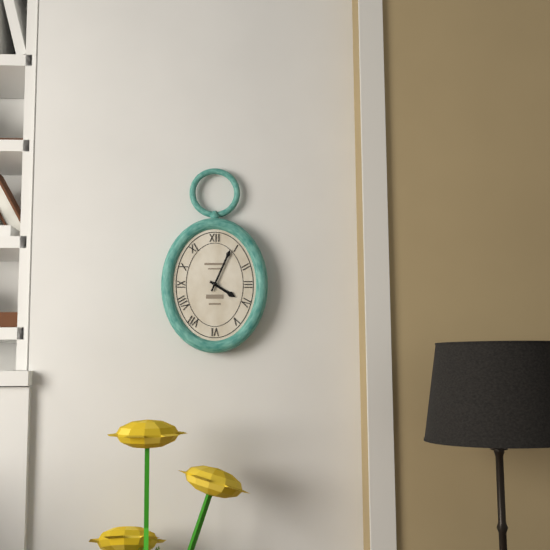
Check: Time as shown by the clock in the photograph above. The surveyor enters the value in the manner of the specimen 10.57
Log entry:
4.04
